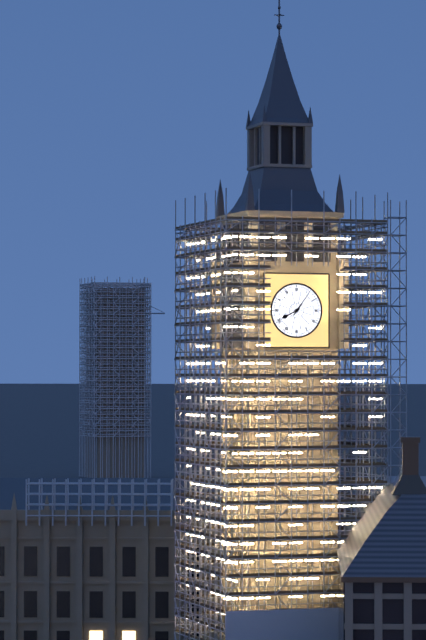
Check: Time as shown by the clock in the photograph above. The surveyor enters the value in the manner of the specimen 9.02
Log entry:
8.06
